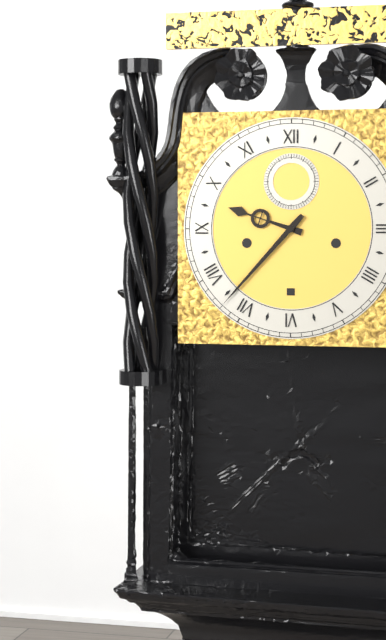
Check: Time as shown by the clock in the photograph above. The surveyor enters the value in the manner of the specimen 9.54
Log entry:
9.37
